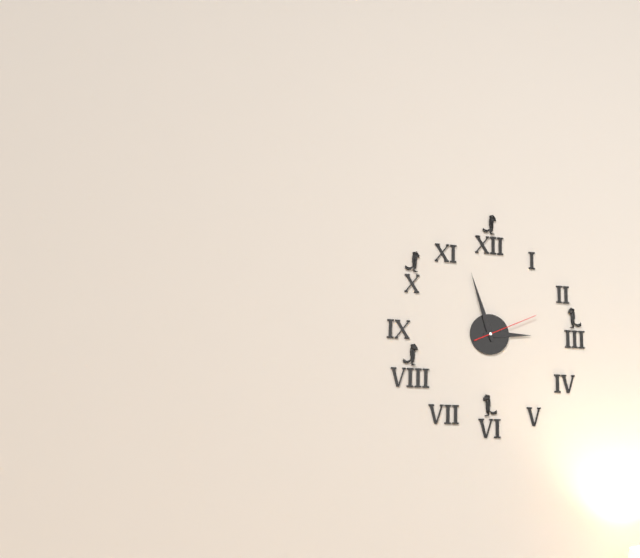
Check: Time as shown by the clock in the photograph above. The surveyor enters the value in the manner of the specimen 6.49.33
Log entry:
2.57.11
